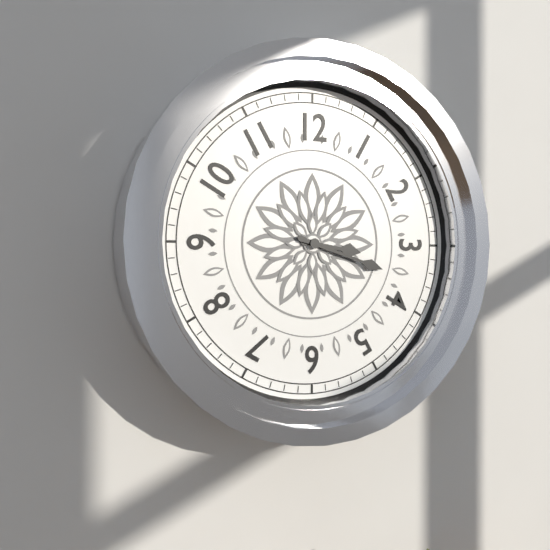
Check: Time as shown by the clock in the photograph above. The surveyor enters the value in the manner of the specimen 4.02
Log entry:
3.18
